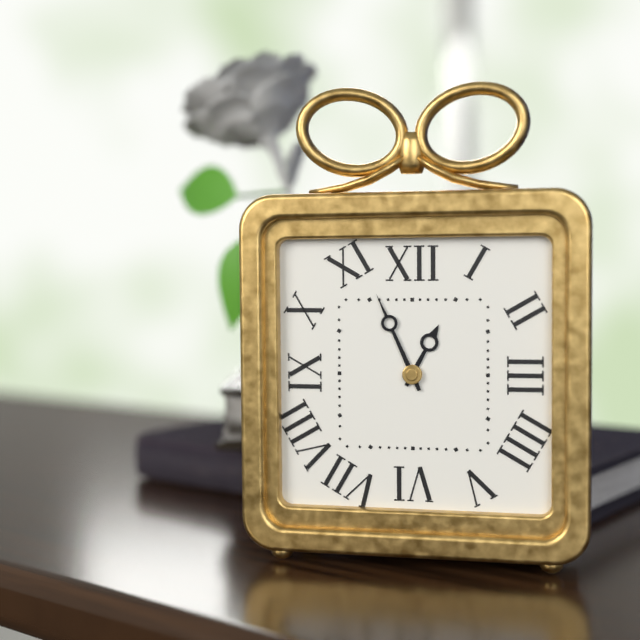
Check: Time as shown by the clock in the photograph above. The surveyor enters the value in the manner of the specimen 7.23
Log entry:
12.56
